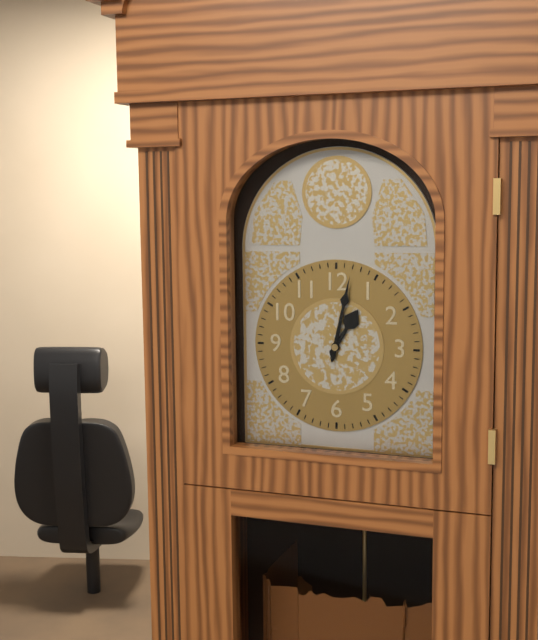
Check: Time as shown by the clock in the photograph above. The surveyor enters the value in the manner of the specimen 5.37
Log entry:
1.02
